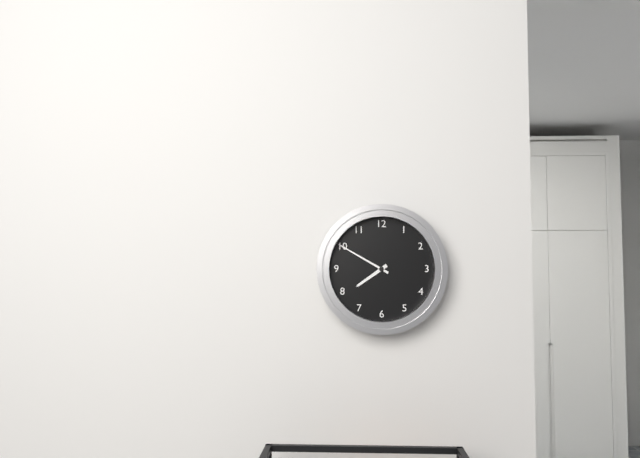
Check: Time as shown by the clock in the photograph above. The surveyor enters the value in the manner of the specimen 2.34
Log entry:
7.50
